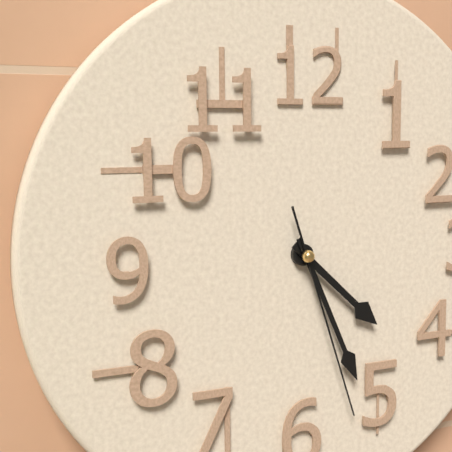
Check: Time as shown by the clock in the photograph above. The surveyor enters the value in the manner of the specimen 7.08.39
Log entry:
4.26.27
